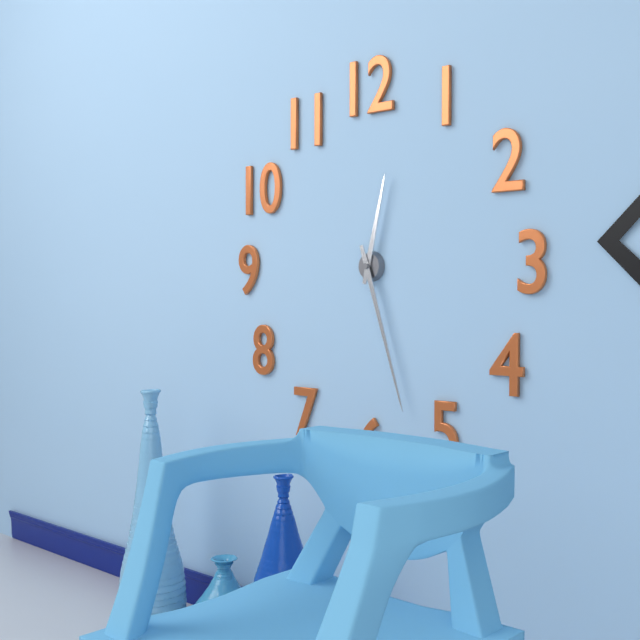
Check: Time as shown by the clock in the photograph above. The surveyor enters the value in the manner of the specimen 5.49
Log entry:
12.27
